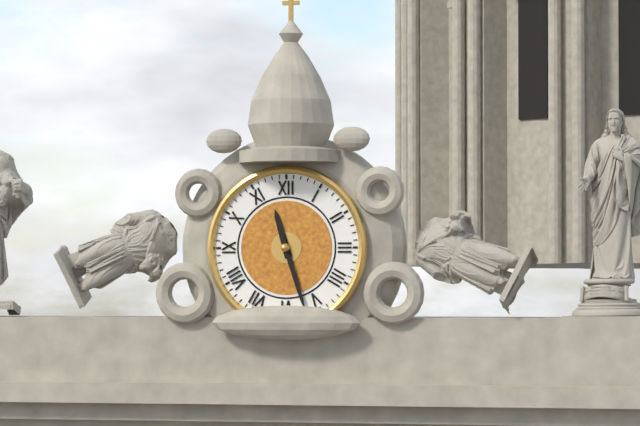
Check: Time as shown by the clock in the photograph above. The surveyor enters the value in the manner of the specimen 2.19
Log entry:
11.27
